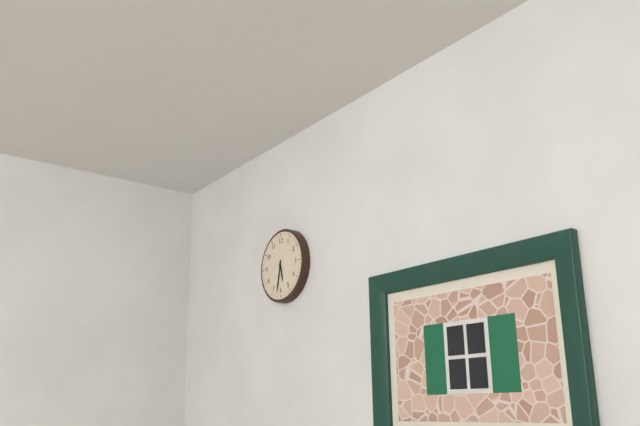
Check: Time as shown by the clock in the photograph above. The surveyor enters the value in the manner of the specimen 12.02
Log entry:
5.32
